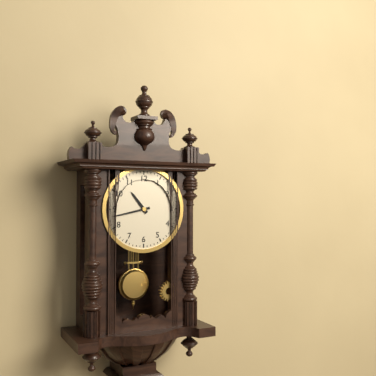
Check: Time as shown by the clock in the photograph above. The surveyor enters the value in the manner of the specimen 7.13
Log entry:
10.43
